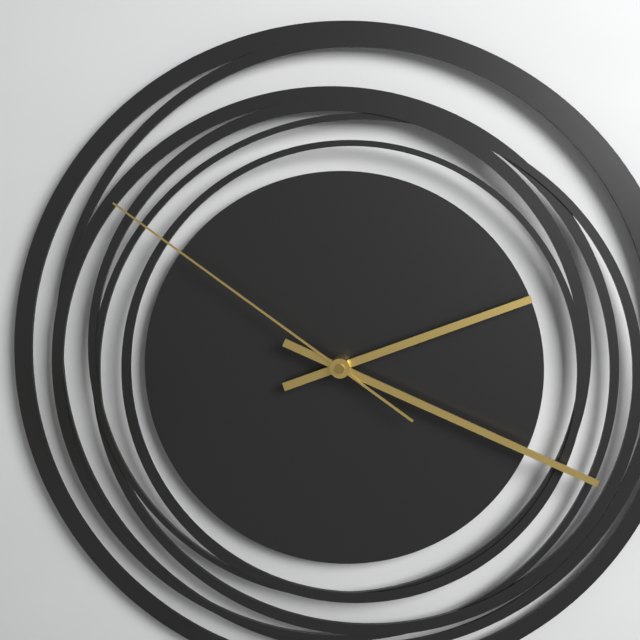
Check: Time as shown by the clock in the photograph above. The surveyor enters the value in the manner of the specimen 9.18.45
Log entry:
2.19.51
